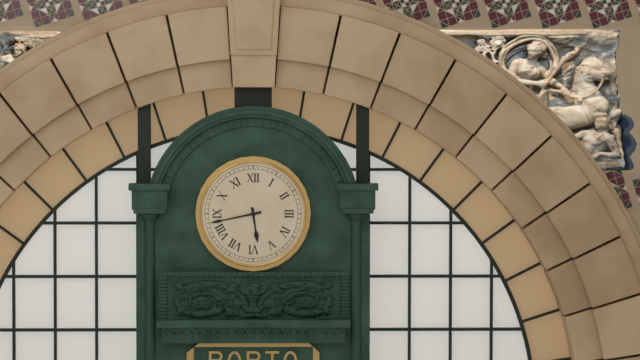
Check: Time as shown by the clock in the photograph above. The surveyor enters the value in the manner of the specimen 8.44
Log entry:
5.43
